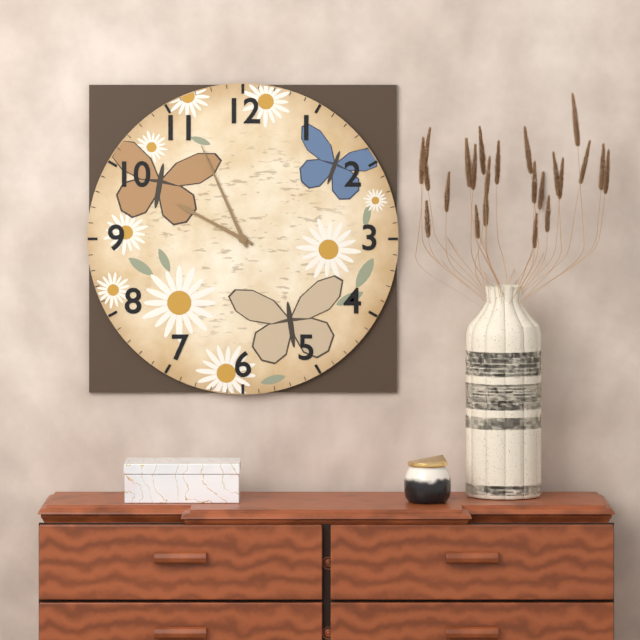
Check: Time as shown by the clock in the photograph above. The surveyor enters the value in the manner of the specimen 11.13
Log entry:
9.56
